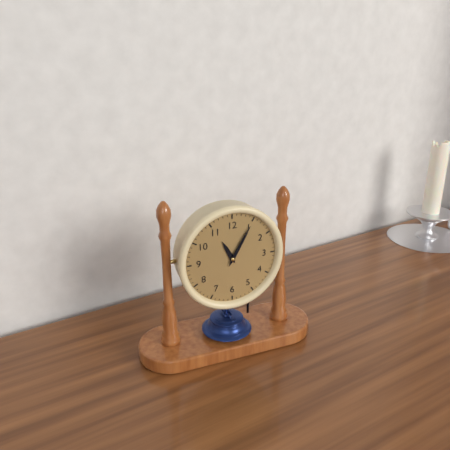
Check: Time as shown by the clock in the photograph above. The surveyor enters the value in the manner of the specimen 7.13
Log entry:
11.05
